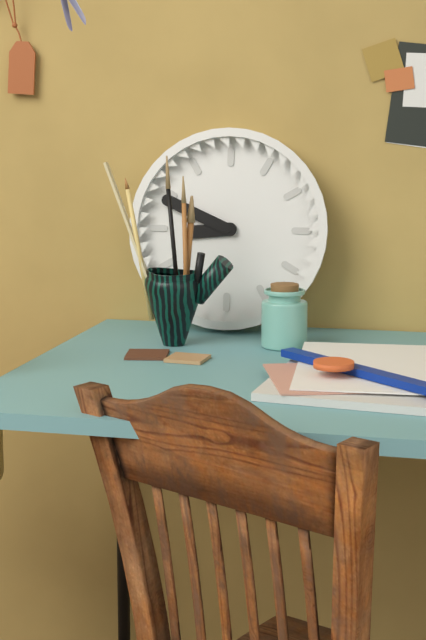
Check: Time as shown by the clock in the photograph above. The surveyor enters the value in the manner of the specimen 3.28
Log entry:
8.49
